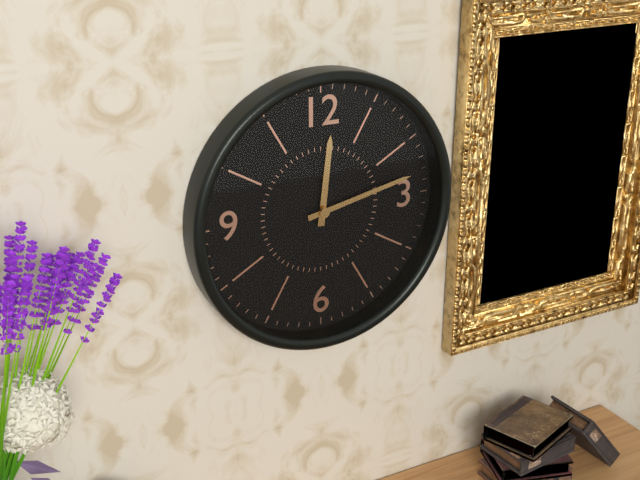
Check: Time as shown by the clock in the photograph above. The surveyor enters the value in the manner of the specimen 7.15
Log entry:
12.13
